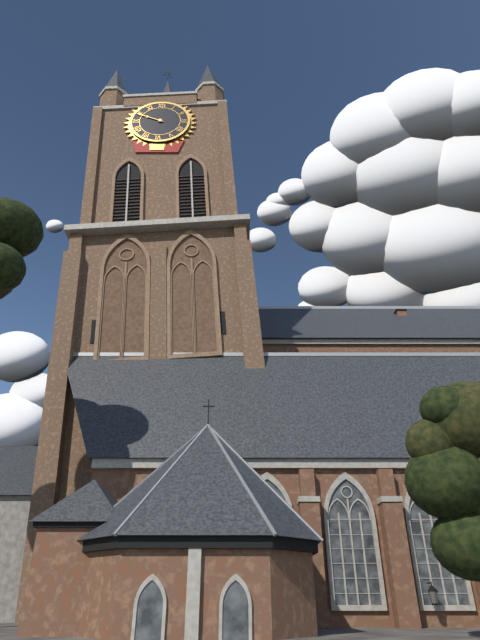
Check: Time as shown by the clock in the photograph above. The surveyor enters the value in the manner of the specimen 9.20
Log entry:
9.49
